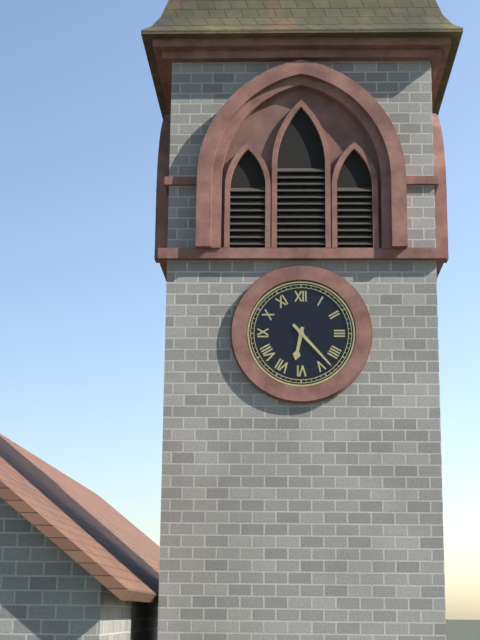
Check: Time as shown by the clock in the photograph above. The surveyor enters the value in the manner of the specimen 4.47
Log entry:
6.23
